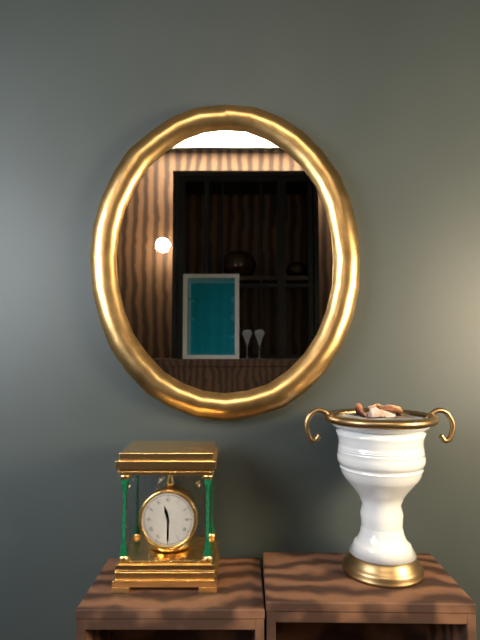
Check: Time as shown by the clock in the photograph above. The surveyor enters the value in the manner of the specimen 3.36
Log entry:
11.30
